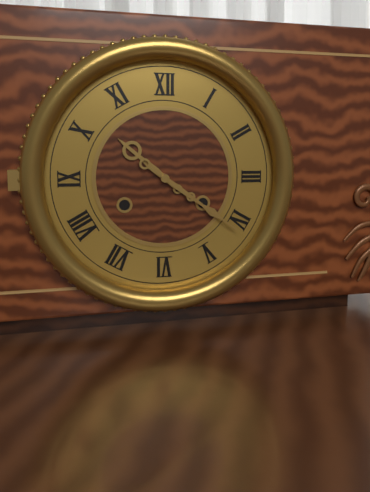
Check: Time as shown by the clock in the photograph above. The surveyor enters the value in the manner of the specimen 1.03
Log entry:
10.21
